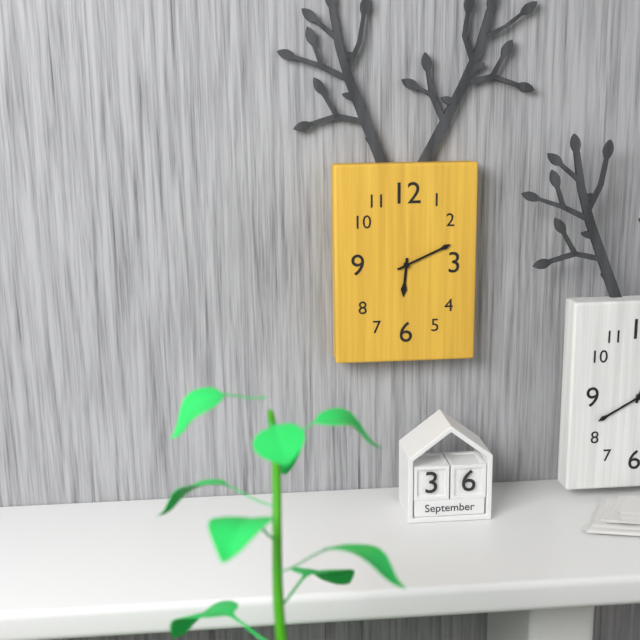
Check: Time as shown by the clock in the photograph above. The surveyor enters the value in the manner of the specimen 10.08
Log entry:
6.11
